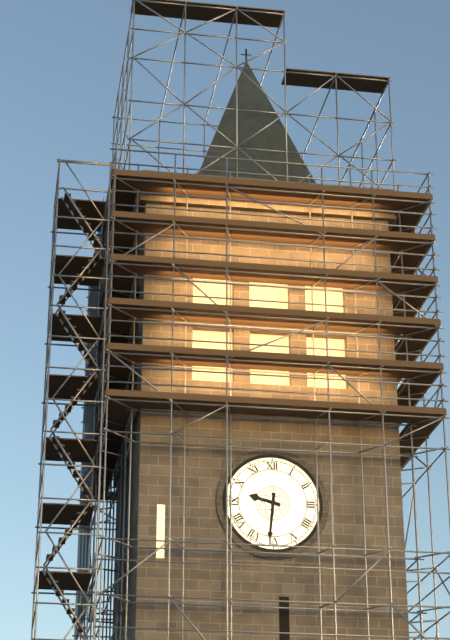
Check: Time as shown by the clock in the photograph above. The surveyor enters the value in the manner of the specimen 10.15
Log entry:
9.31
